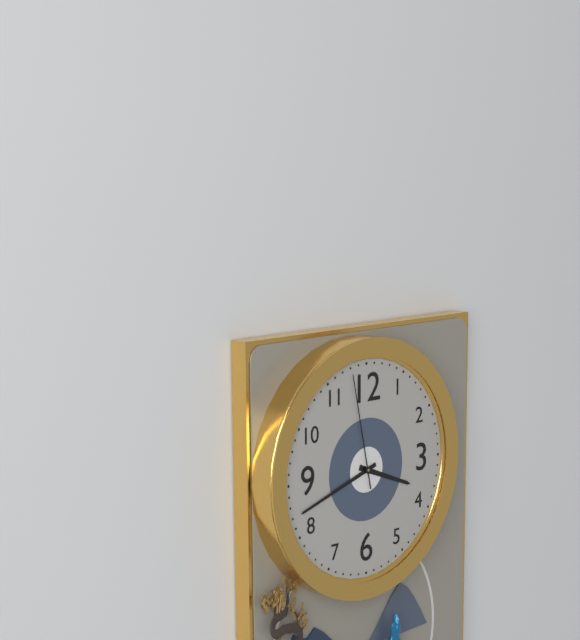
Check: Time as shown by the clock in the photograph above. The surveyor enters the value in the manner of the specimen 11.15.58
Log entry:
3.42.58
